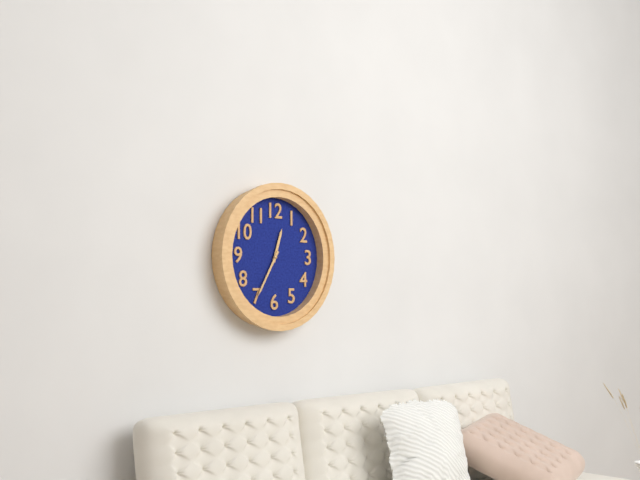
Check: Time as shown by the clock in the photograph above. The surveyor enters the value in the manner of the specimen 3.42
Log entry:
12.35
